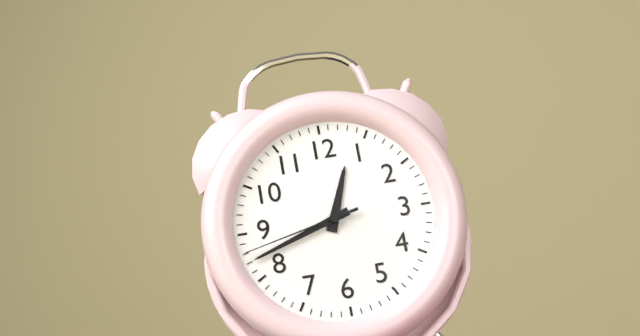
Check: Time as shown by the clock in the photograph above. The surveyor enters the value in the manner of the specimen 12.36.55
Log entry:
12.42.43
